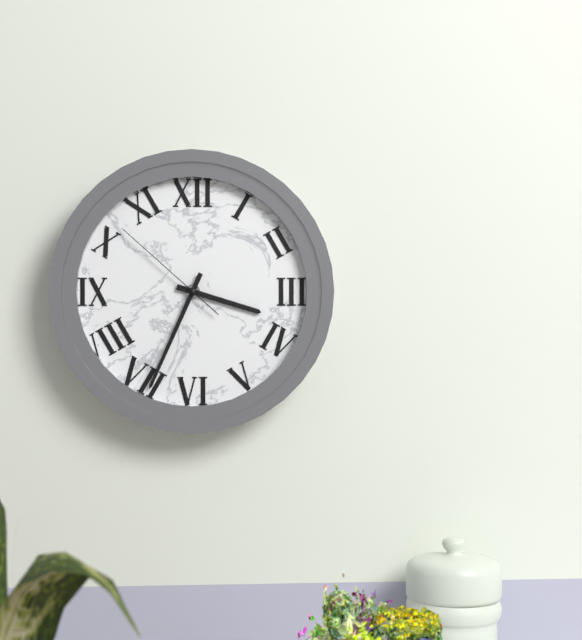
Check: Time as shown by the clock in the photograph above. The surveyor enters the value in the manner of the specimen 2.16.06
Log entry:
3.34.52
